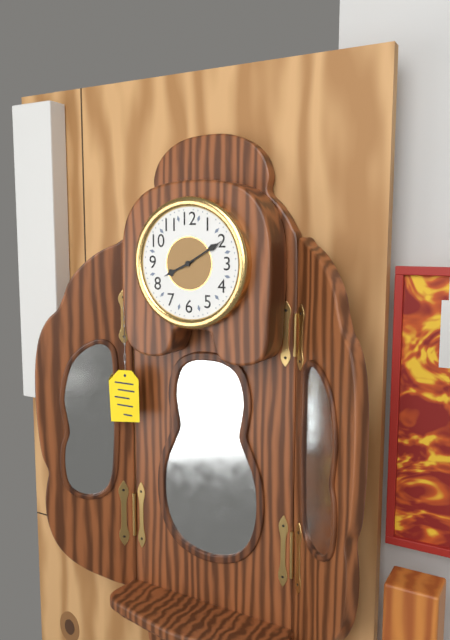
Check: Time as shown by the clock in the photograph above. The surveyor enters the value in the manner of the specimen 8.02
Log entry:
8.10
